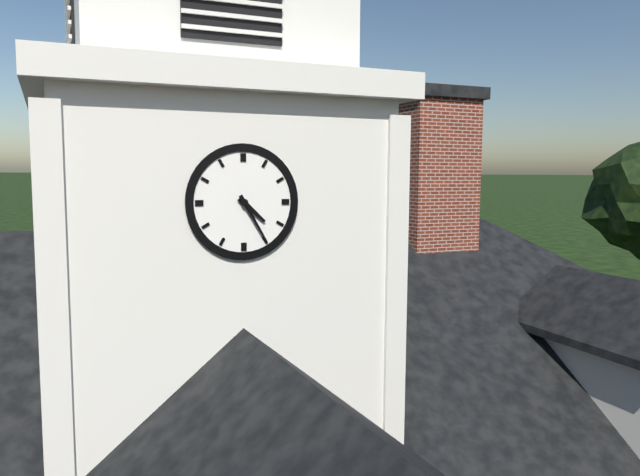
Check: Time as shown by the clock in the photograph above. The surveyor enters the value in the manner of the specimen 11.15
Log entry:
4.25
